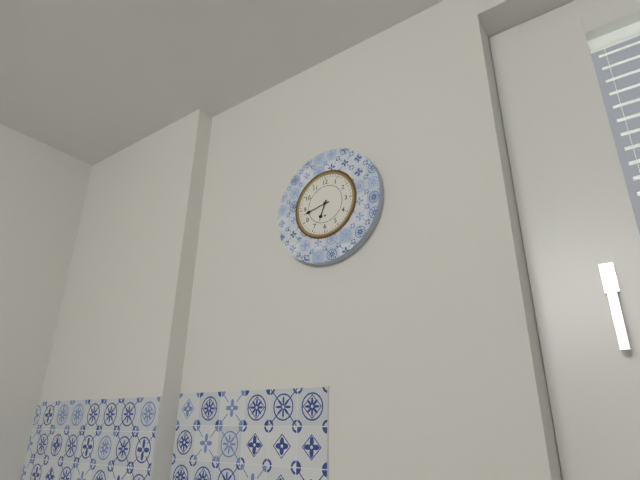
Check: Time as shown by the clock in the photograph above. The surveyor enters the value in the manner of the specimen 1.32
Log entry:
6.43
